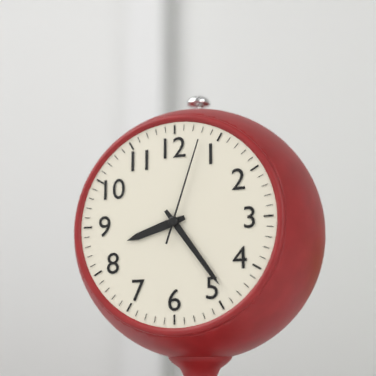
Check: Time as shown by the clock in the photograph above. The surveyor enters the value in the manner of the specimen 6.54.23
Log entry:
8.24.03
